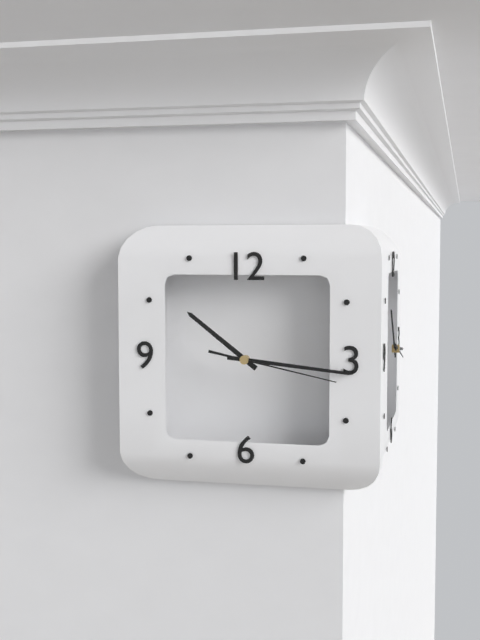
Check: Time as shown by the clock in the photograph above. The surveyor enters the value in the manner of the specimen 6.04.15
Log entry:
10.16.17
